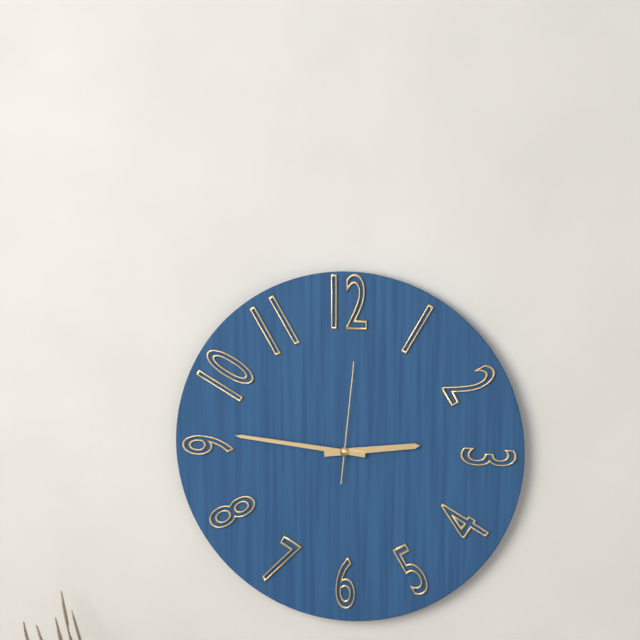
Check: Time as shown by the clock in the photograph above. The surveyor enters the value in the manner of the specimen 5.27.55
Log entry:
2.46.01
